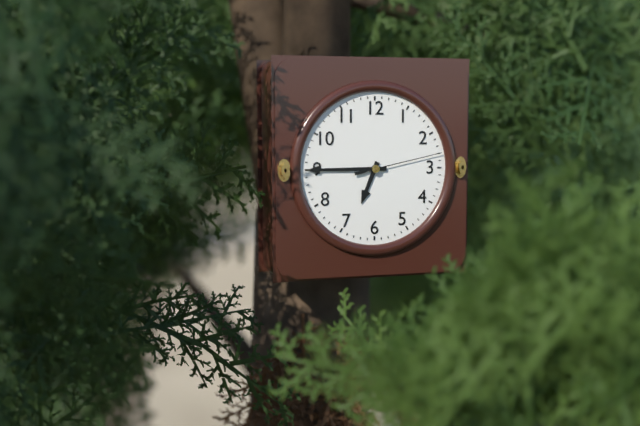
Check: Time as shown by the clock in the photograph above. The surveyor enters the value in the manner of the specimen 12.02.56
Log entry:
6.45.13
